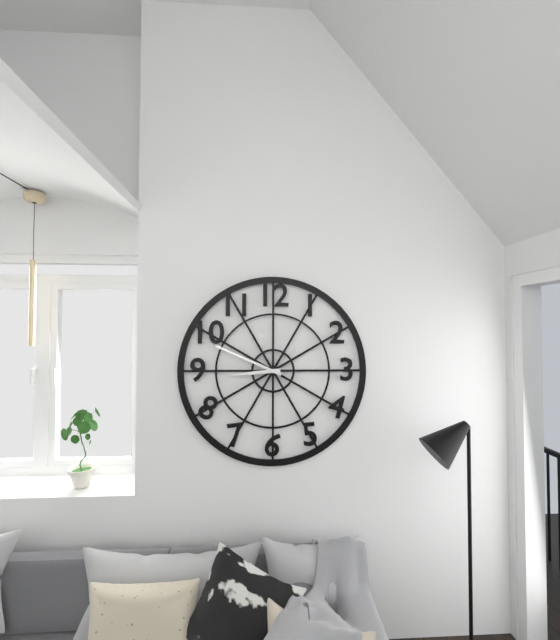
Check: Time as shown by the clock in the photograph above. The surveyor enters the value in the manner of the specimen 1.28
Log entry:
8.49
